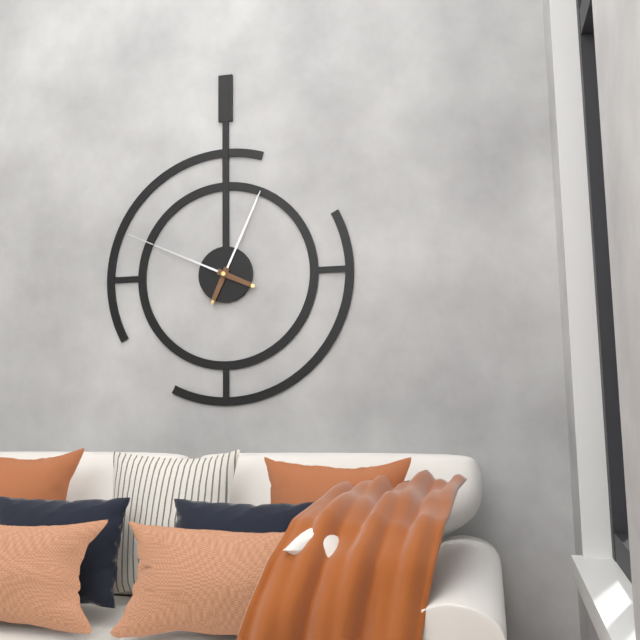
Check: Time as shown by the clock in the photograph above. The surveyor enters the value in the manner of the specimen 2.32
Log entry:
12.49
